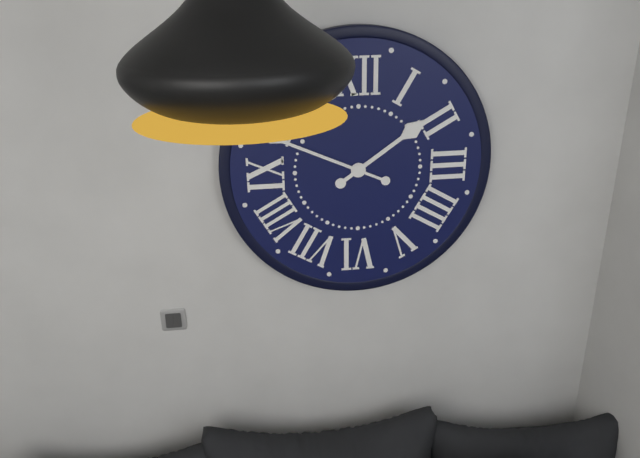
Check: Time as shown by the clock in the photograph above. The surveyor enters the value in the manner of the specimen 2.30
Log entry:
1.49
